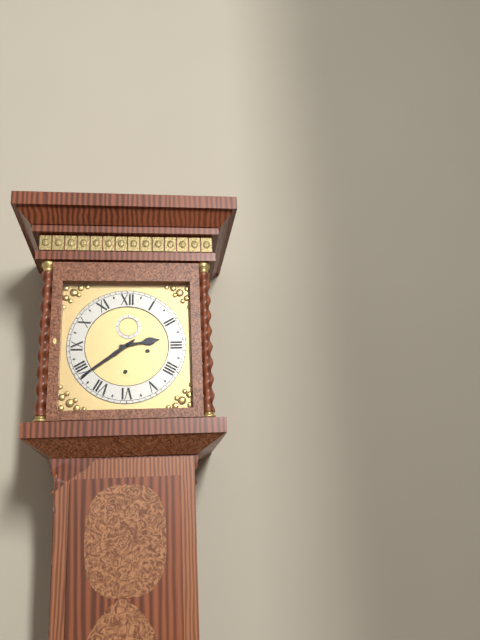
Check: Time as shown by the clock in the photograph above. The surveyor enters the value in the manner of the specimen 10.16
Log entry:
2.39
